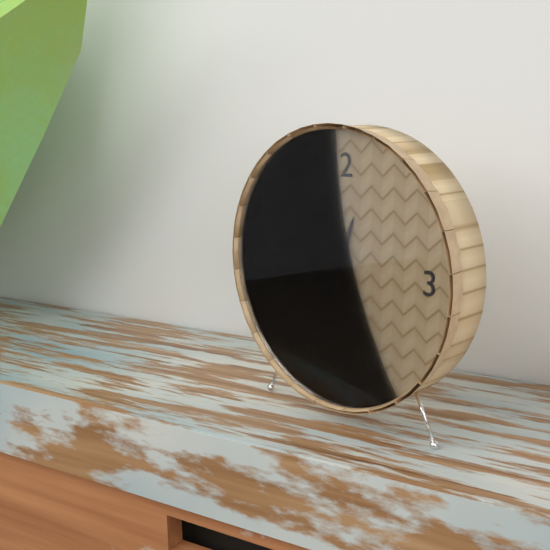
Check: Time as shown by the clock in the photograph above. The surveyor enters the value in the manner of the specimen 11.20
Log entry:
12.38
